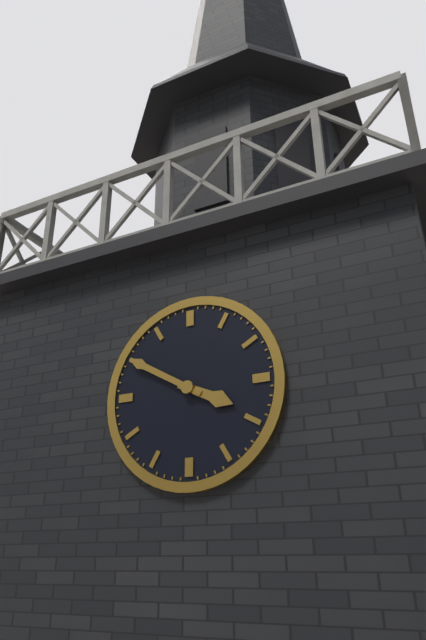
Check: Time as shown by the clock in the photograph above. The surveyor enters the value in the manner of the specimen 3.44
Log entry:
3.50
